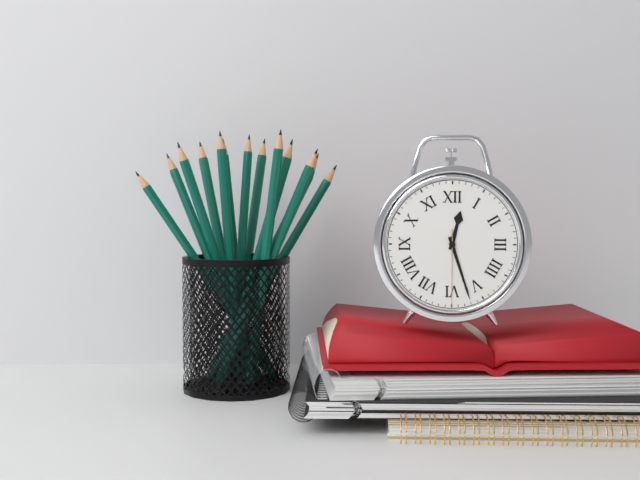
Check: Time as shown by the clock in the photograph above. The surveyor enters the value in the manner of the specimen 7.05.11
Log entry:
12.27.30
